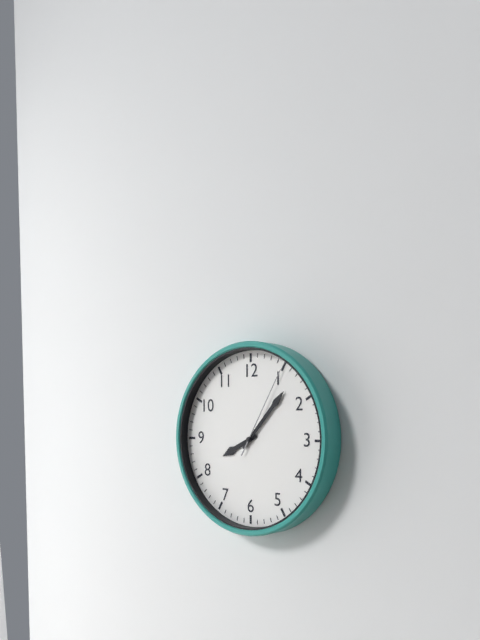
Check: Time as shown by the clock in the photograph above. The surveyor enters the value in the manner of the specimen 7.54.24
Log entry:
8.07.05
